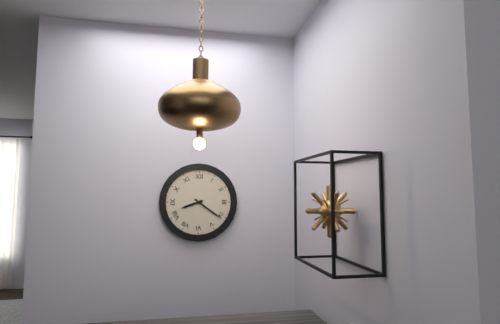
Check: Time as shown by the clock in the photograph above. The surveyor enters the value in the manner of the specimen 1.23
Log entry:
8.21
